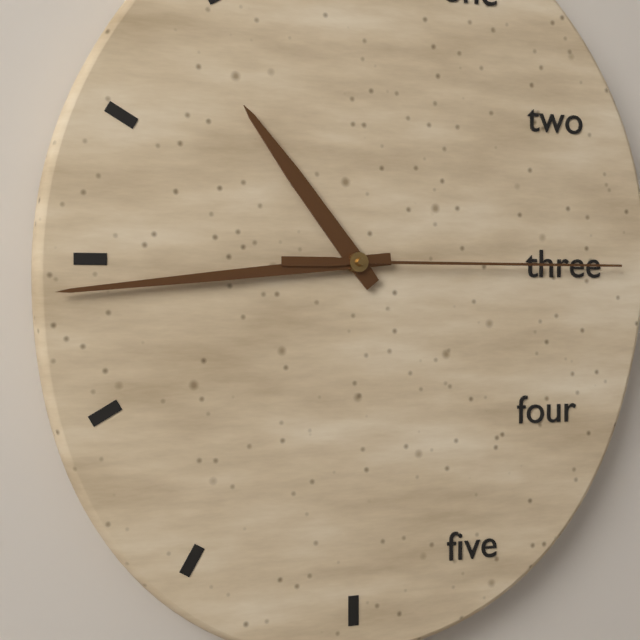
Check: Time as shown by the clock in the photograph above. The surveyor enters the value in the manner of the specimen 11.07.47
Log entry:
10.44.15
